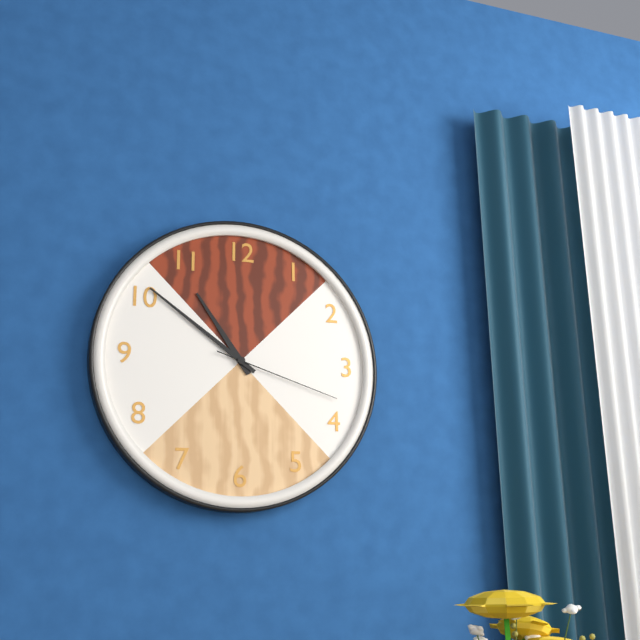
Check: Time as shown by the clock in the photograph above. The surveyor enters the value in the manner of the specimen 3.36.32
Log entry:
10.51.18
